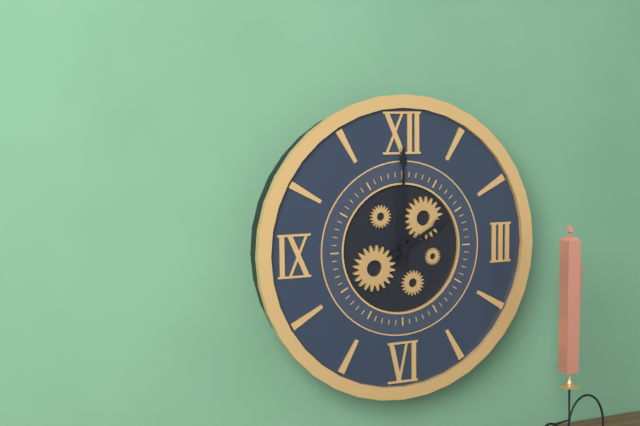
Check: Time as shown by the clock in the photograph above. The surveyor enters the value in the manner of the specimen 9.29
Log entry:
2.00
